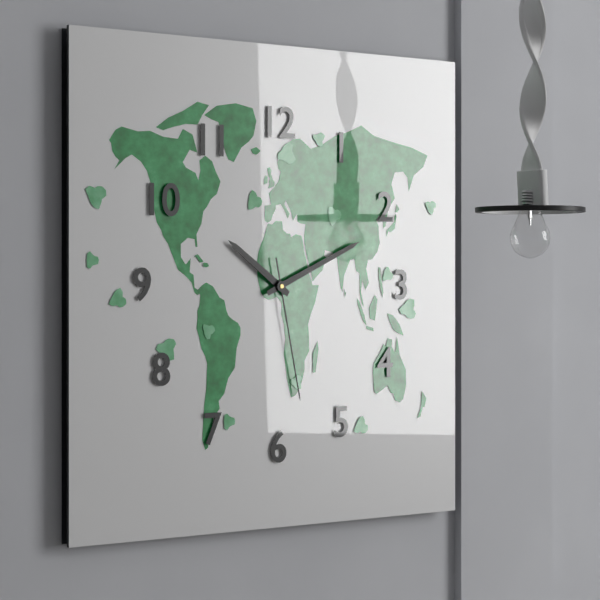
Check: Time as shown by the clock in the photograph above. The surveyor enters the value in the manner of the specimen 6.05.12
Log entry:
10.11.28
